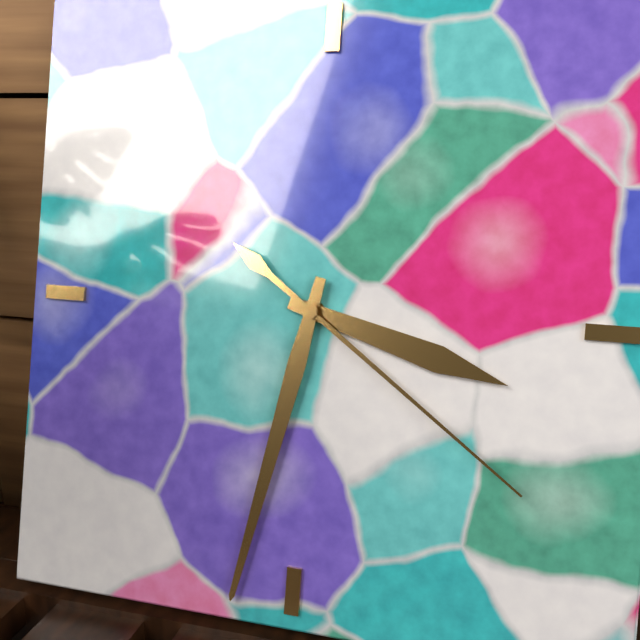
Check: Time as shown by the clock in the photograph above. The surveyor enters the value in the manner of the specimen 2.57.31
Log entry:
3.32.21
